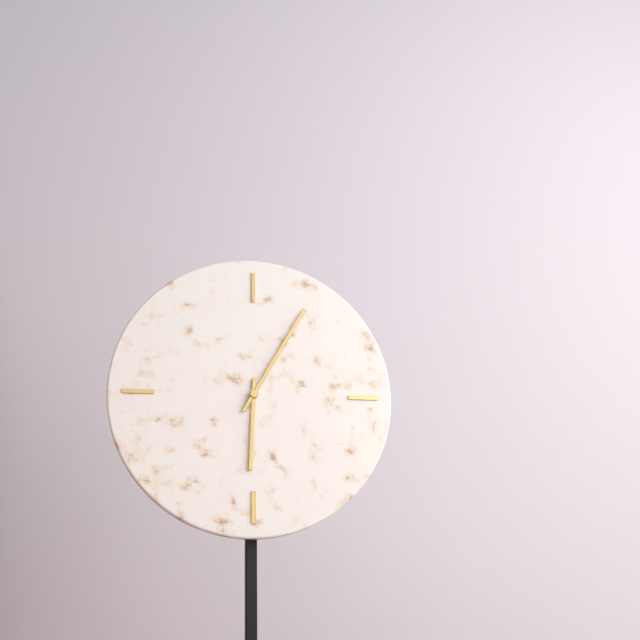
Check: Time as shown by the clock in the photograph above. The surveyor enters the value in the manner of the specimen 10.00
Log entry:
6.05
